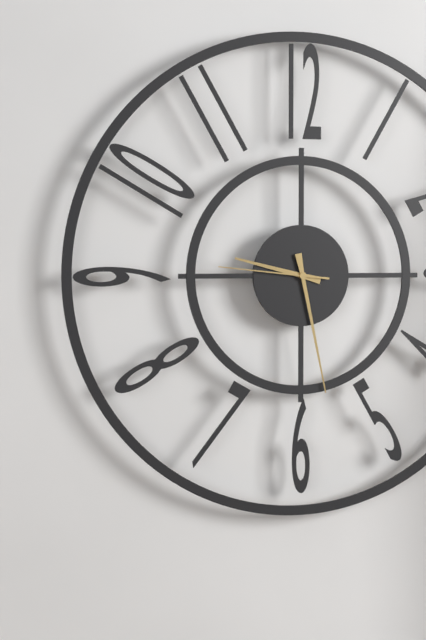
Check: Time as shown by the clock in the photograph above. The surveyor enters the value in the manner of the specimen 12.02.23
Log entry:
9.28.46
